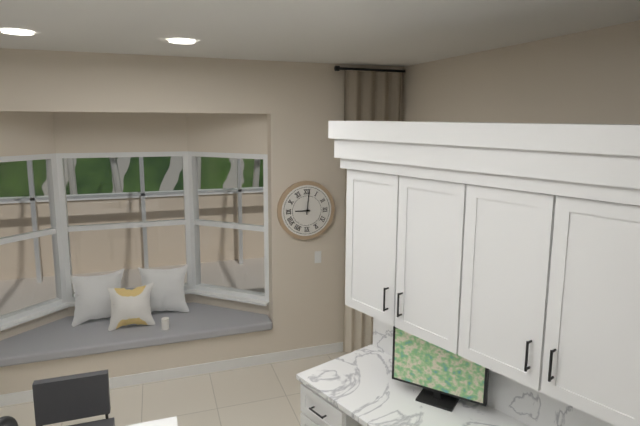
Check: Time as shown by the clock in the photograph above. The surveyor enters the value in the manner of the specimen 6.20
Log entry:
9.01
